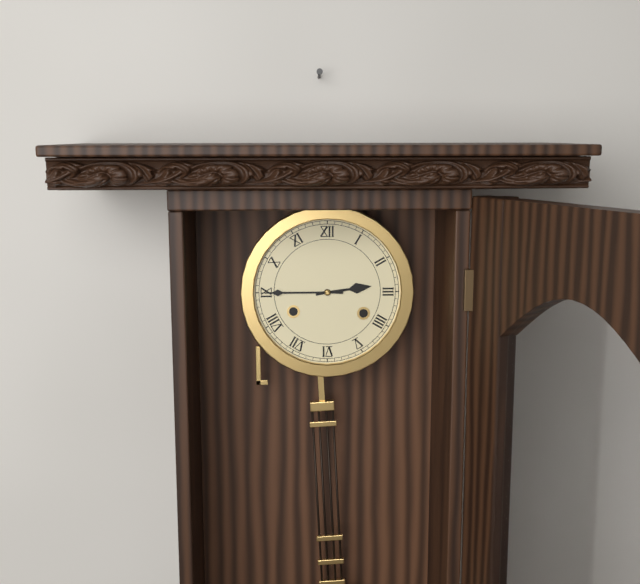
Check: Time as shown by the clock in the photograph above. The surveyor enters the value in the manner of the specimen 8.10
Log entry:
2.45
